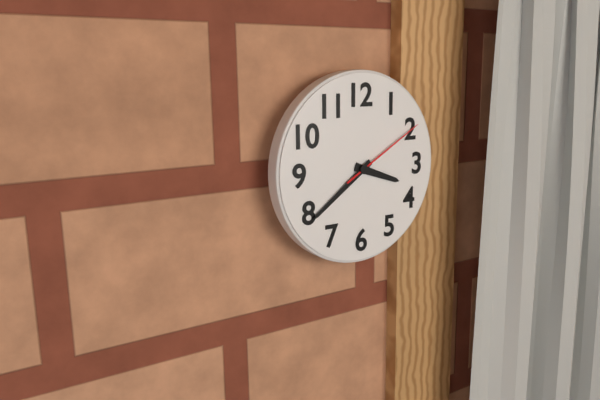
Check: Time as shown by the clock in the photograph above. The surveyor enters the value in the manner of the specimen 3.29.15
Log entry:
3.39.10
